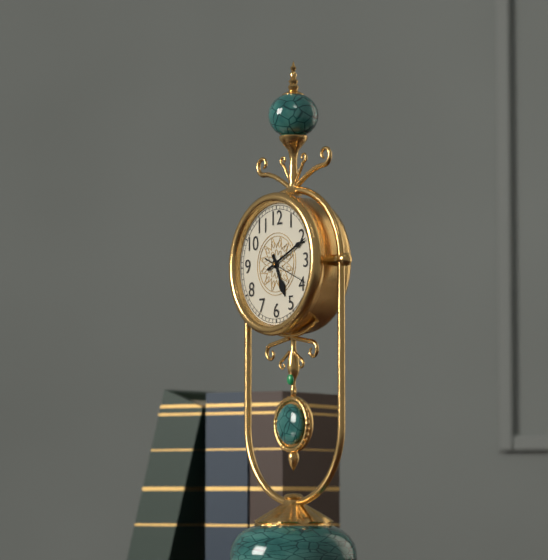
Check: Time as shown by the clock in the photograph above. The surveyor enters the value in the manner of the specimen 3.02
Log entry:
5.11
